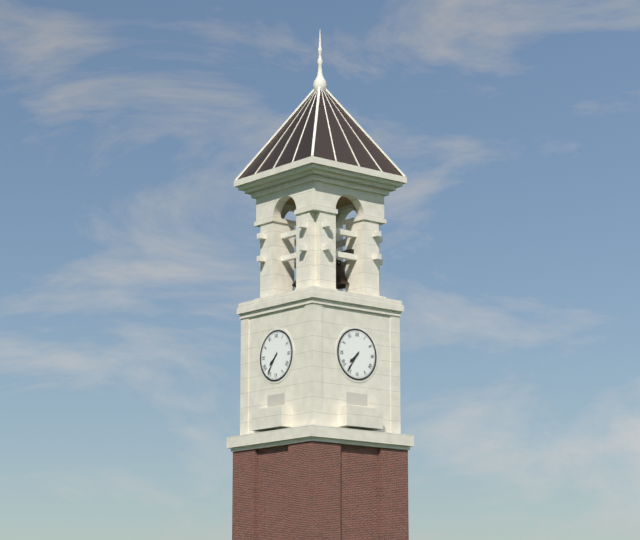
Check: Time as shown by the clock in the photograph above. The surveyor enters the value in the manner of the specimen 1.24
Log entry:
7.36
